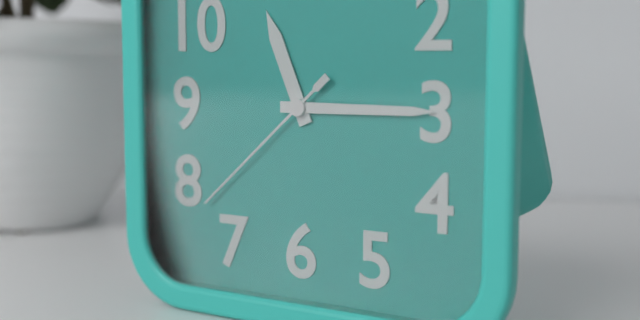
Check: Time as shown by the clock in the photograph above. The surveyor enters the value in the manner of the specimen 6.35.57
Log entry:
11.15.38
